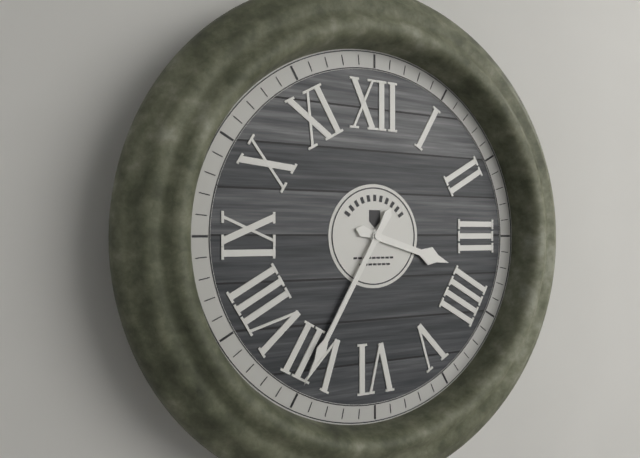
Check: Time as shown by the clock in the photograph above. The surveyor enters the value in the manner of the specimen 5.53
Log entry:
3.35
